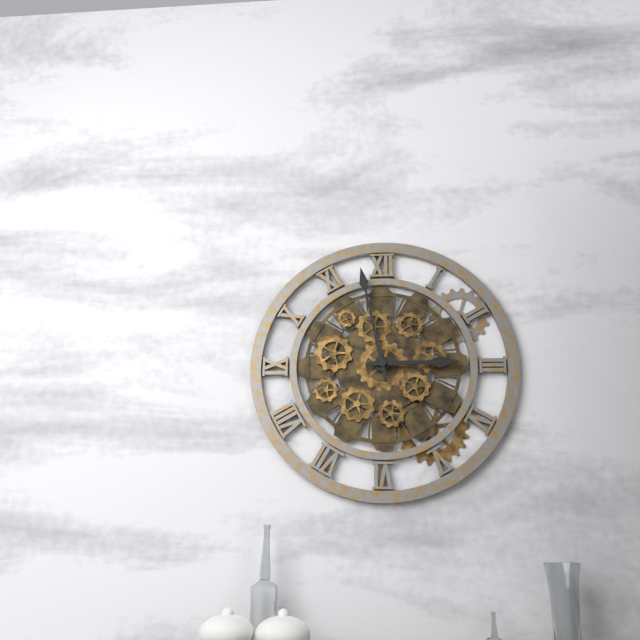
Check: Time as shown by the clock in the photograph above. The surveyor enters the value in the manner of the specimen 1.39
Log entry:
2.58
